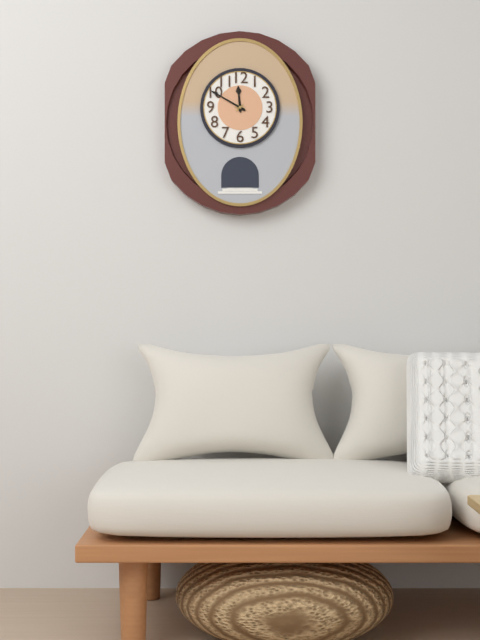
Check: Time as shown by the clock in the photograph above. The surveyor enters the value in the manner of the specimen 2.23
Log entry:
11.50
